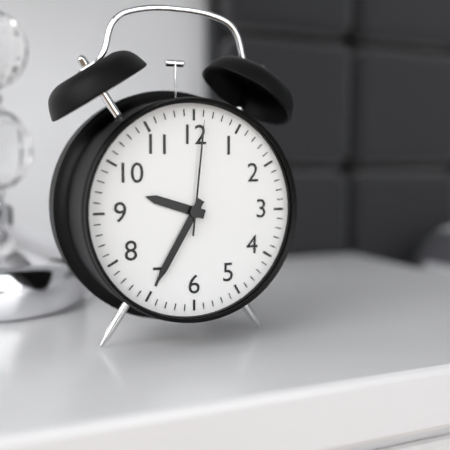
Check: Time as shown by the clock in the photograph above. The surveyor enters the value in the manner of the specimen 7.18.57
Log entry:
9.35.01
